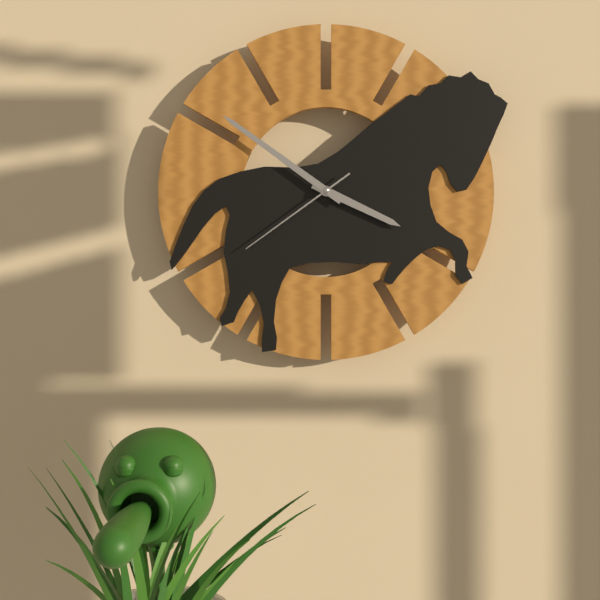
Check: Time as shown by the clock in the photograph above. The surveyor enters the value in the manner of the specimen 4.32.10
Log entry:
3.51.39
